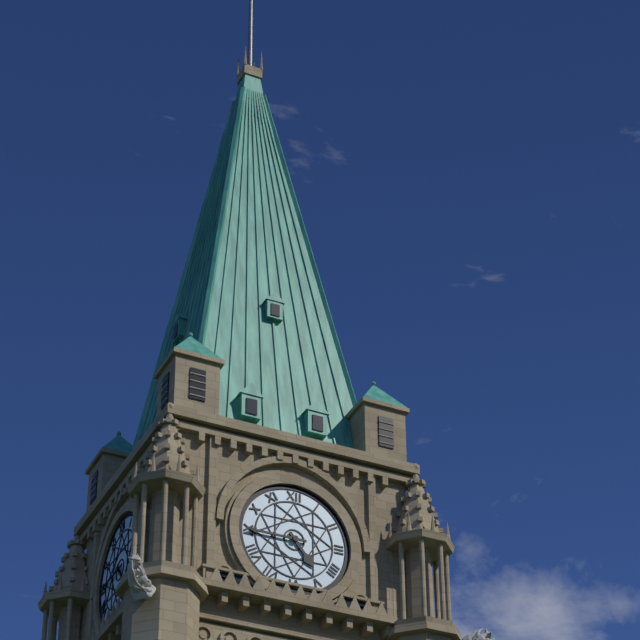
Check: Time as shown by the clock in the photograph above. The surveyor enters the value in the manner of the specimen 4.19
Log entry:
4.45
